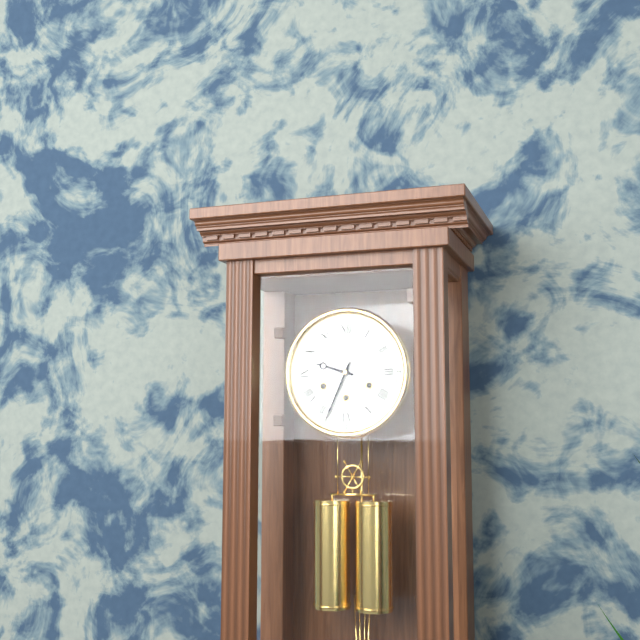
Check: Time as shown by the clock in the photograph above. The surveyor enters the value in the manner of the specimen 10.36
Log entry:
9.34
